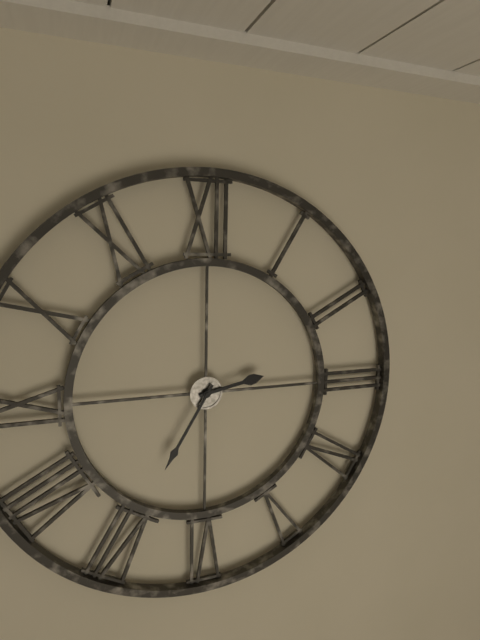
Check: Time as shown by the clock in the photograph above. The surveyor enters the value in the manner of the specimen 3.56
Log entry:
2.35
